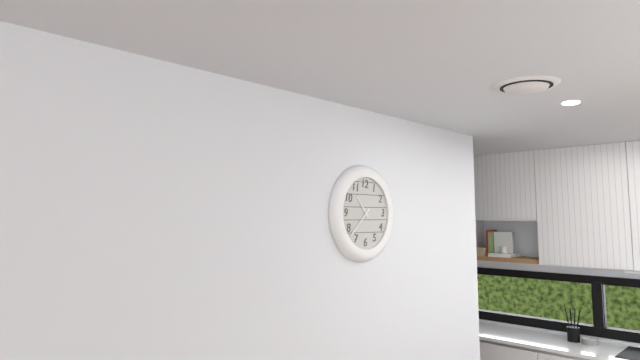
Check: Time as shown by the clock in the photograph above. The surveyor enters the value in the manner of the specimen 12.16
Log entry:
10.38
